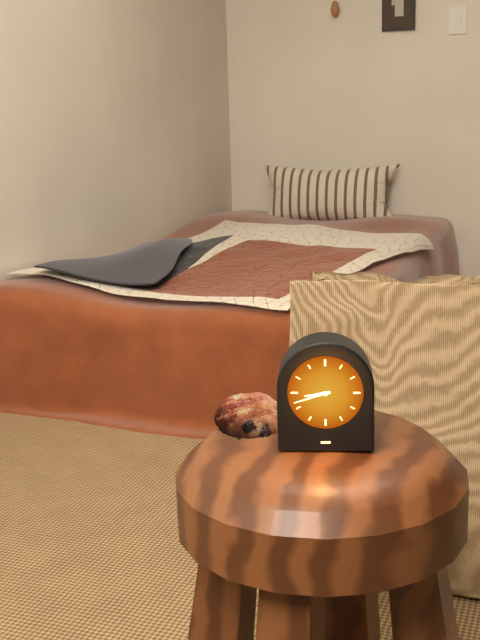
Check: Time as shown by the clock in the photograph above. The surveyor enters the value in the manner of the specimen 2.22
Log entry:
8.42
